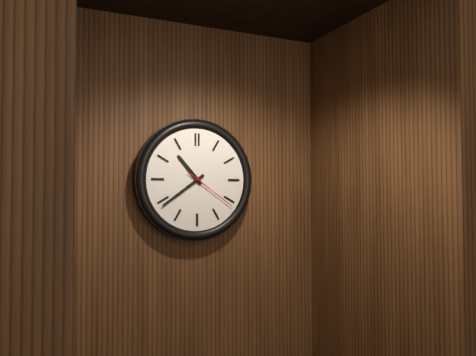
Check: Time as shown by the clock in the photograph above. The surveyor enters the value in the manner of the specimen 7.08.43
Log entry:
10.39.21
